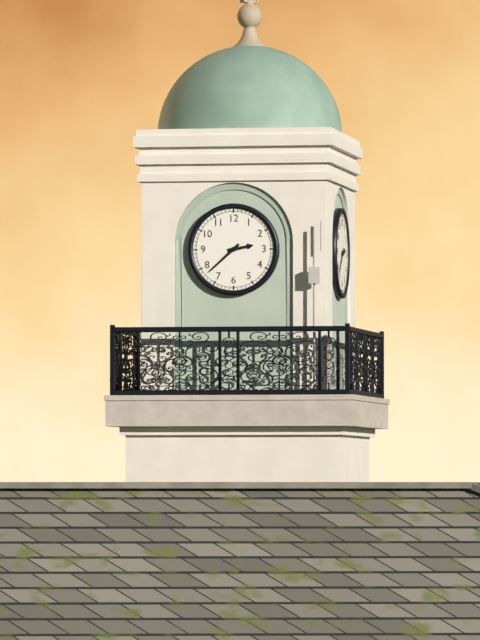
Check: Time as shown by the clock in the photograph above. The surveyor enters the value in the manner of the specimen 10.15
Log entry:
2.38
